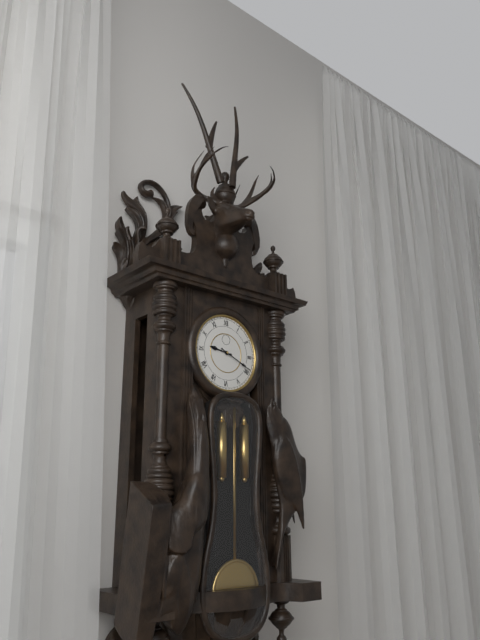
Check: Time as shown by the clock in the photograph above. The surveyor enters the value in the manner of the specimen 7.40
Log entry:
9.19
